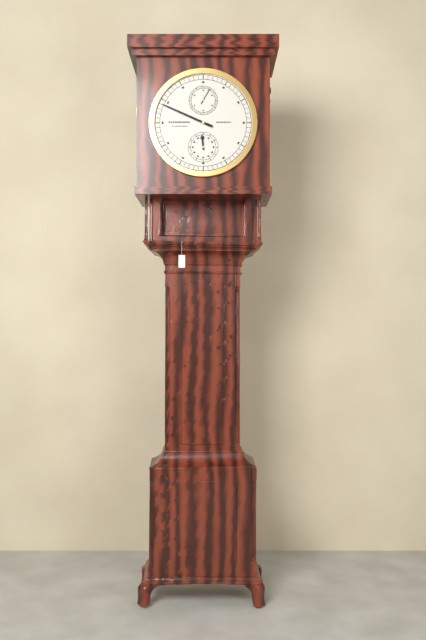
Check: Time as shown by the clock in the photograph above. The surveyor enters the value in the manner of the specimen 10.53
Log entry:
11.49
